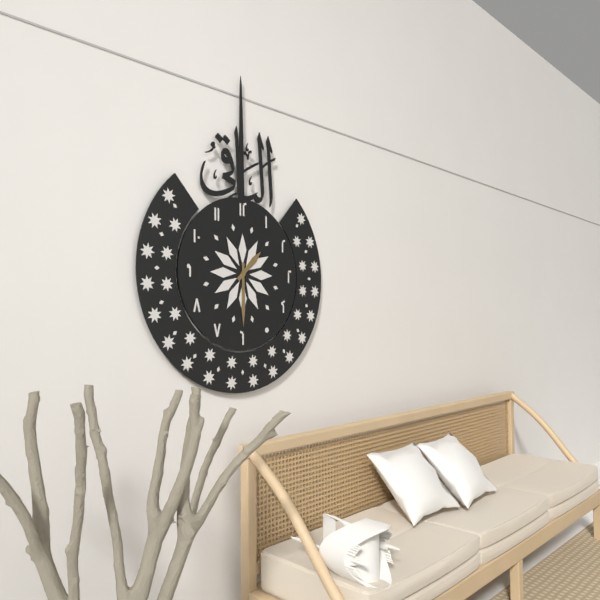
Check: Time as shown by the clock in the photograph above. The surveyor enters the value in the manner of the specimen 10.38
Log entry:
1.30
